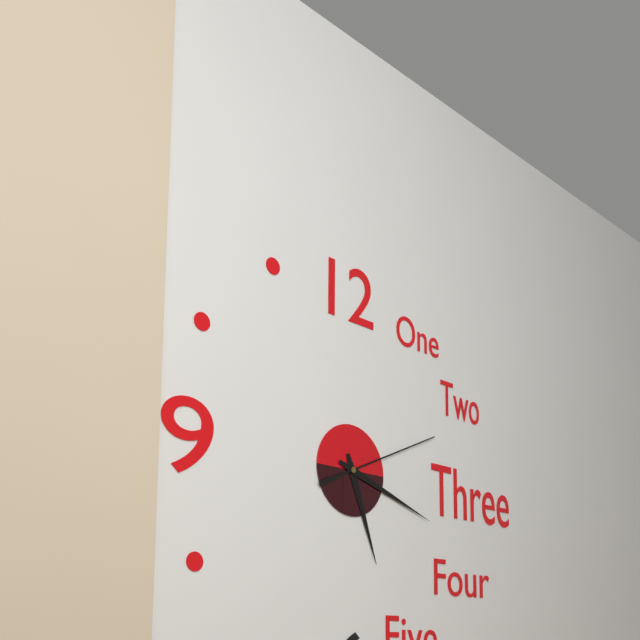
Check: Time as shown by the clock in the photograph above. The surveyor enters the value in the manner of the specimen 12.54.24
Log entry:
5.18.11
